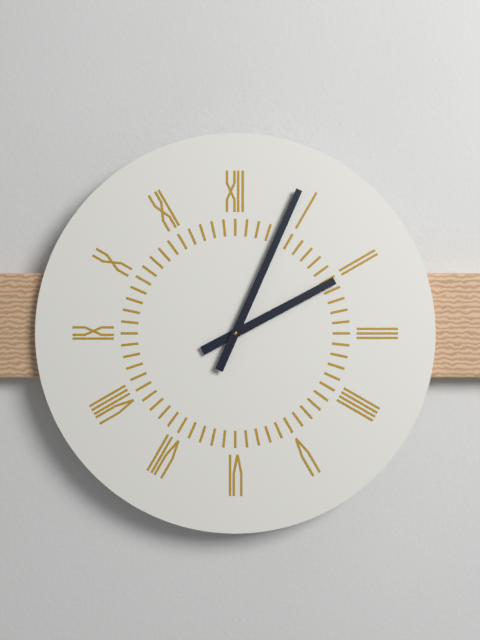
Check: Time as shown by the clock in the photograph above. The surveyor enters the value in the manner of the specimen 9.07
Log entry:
2.04
